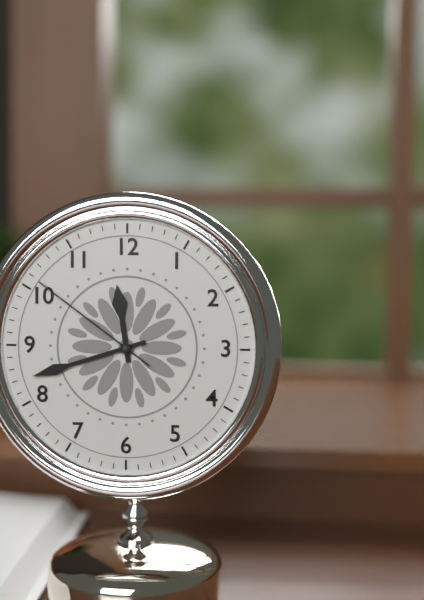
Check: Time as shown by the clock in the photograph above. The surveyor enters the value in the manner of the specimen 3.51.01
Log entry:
11.42.51
